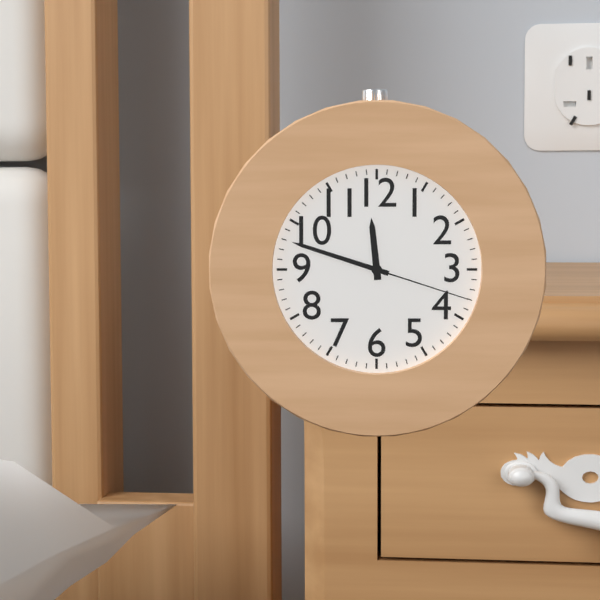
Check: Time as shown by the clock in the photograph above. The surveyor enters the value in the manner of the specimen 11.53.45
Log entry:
11.48.18
